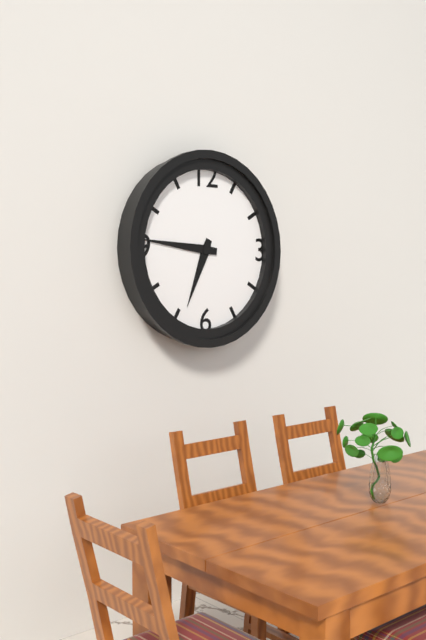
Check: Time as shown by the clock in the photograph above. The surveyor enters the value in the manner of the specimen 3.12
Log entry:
6.46
